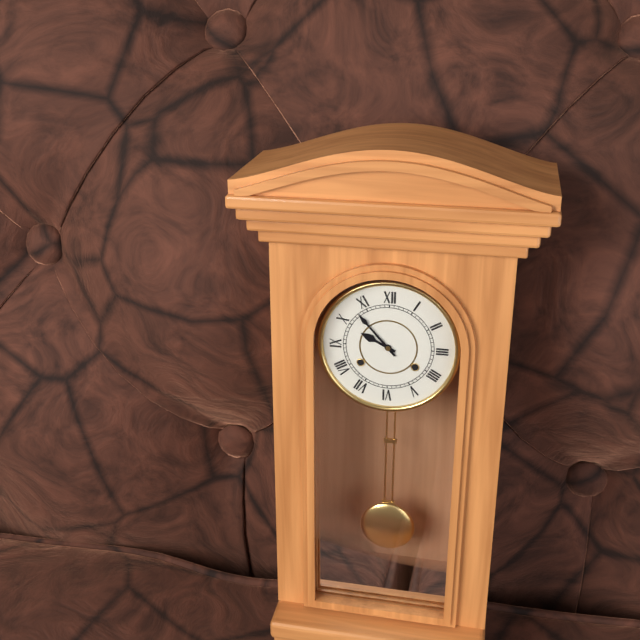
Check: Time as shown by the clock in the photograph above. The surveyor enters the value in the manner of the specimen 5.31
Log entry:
9.53
